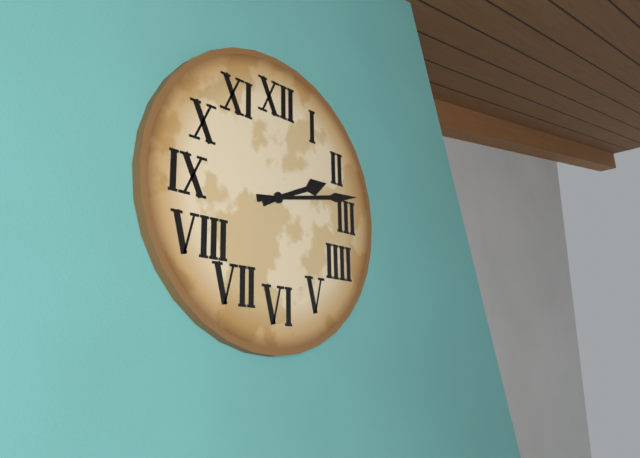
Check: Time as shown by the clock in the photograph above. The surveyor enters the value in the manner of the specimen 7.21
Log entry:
2.13
